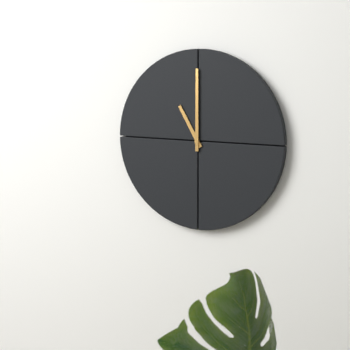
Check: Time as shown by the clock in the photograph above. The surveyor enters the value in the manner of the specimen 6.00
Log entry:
11.00
